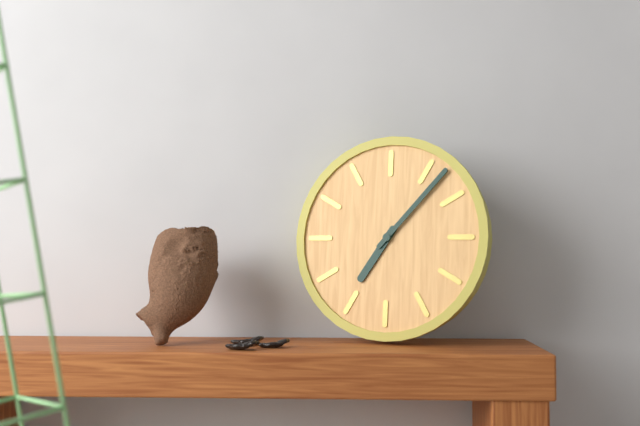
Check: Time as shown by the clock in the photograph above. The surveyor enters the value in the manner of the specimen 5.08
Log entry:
7.07
